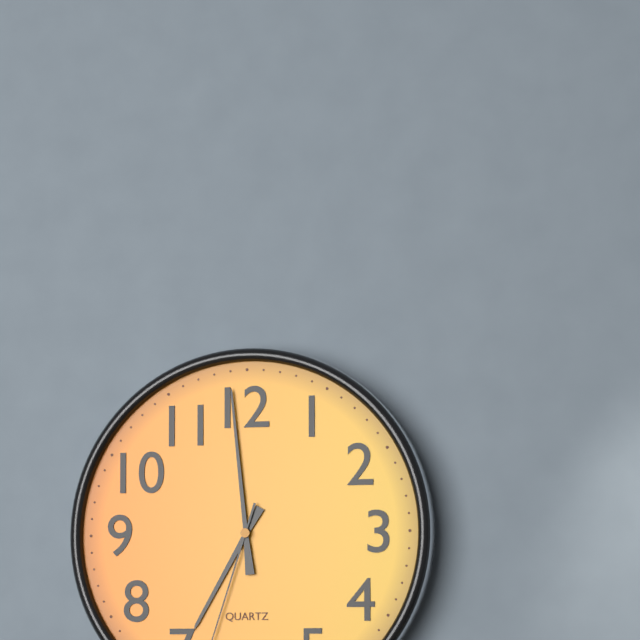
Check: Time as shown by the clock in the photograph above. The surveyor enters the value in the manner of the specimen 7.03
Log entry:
6.59
